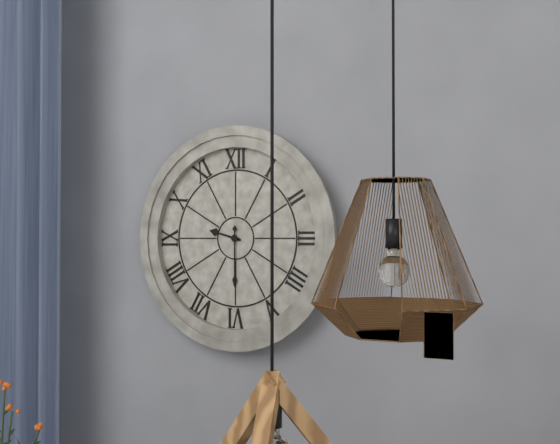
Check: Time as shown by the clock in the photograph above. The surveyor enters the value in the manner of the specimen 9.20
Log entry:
9.30
